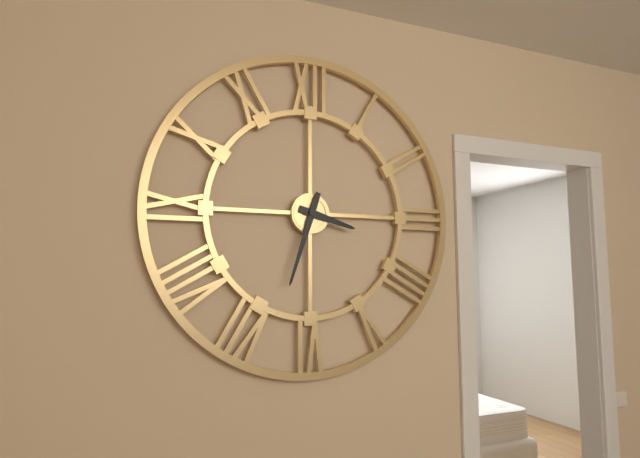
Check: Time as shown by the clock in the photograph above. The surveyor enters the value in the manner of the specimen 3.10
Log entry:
3.33
